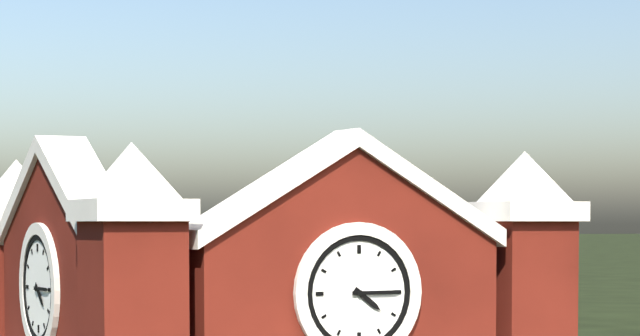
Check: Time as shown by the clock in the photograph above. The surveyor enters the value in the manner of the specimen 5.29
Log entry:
4.15
